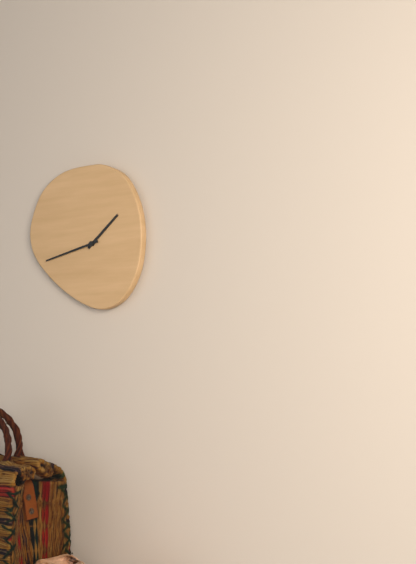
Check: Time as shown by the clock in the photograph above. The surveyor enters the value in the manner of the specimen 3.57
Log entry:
1.43
